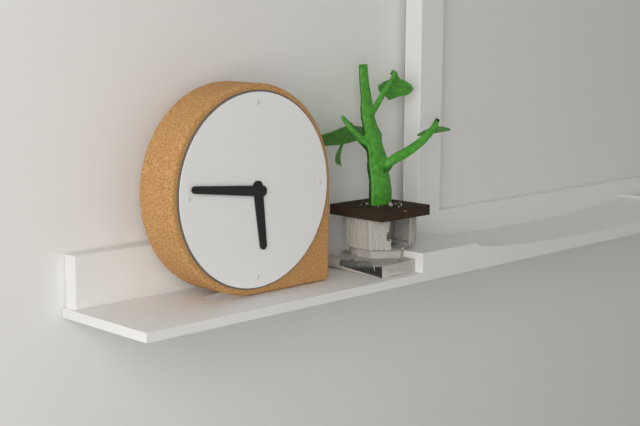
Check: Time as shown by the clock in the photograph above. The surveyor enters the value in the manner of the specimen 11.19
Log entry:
5.46
